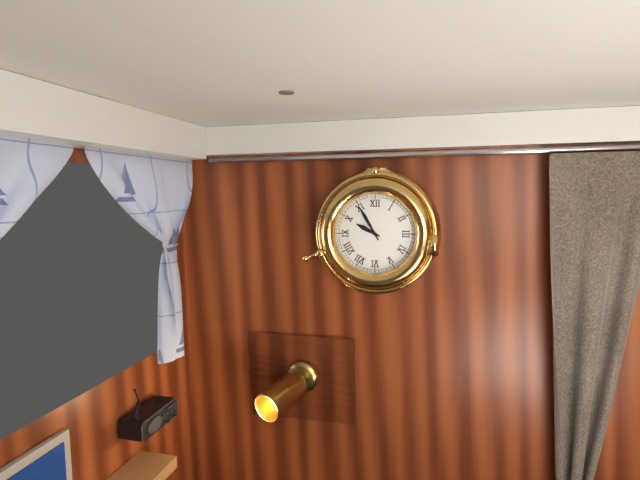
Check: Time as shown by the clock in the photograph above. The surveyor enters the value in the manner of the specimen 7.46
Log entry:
9.55
